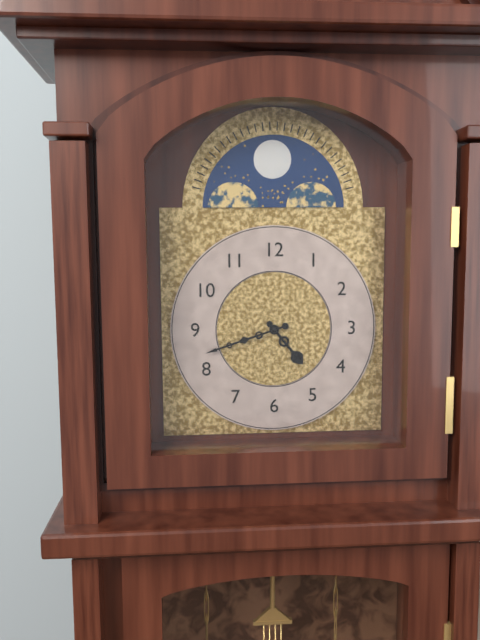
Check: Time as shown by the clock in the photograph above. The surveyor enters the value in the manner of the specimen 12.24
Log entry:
4.42
